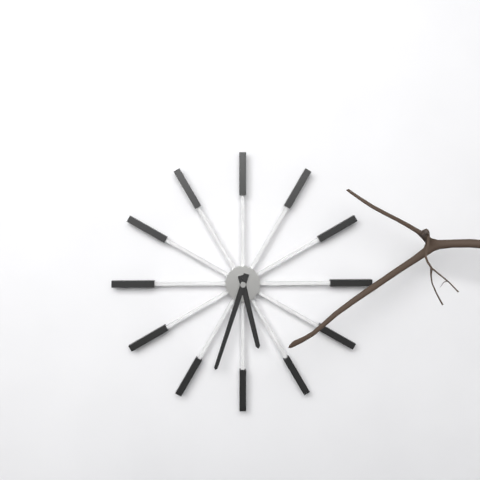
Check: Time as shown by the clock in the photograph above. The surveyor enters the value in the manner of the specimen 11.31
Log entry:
5.33
